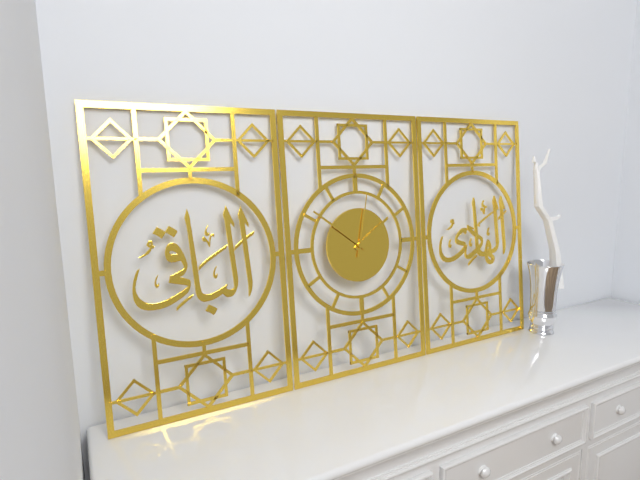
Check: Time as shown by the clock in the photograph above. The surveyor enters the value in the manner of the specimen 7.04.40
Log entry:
1.51.02
